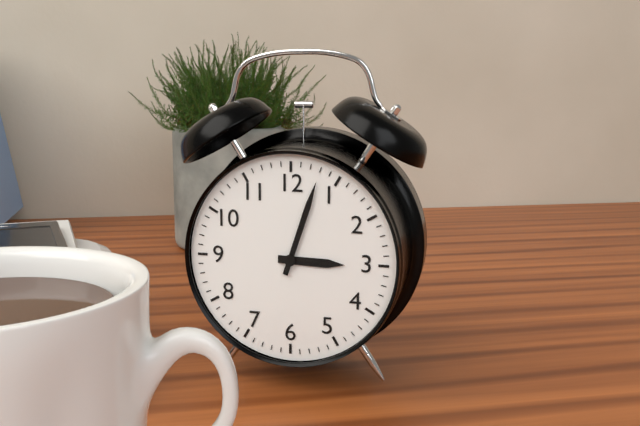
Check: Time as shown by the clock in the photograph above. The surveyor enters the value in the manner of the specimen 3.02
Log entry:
3.03
